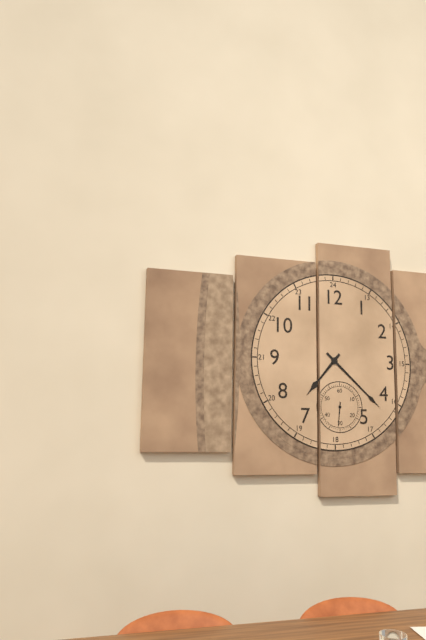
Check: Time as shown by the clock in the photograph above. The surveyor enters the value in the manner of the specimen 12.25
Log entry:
7.22
